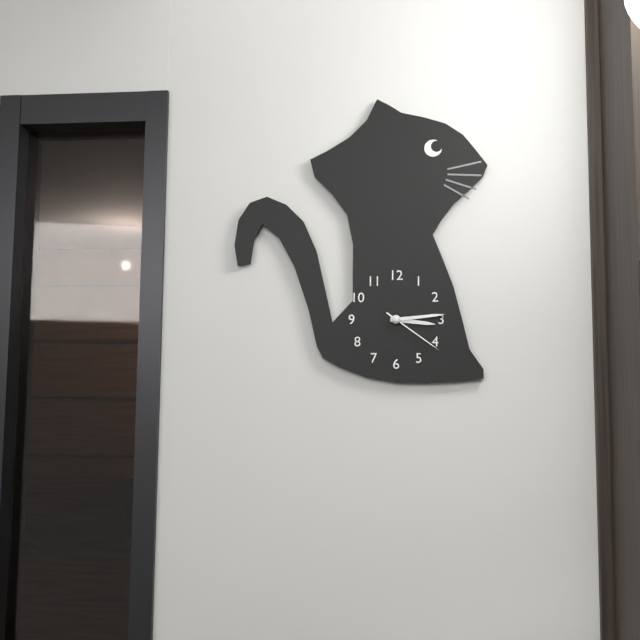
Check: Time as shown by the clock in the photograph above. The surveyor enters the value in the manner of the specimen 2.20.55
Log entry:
3.14.21
